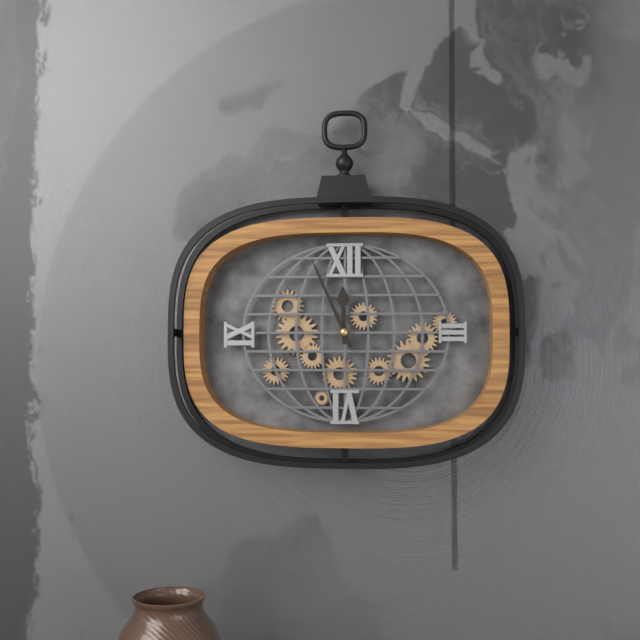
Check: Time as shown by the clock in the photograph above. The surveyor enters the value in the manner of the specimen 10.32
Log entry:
11.56
